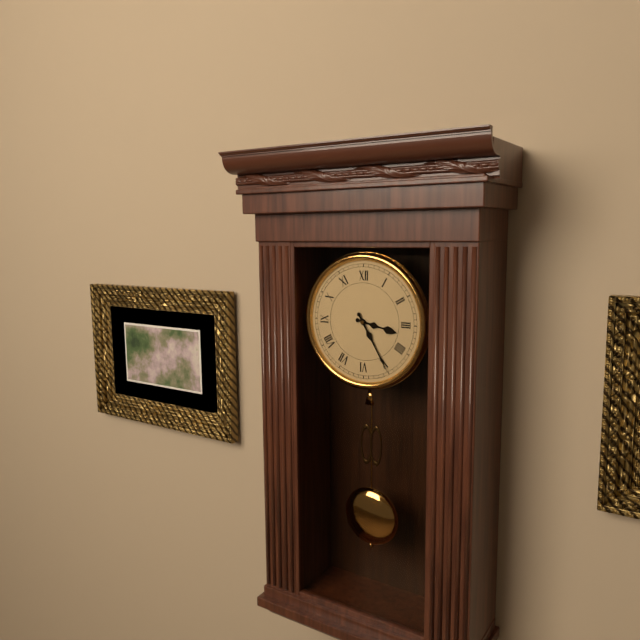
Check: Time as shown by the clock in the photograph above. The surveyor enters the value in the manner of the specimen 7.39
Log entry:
3.25
